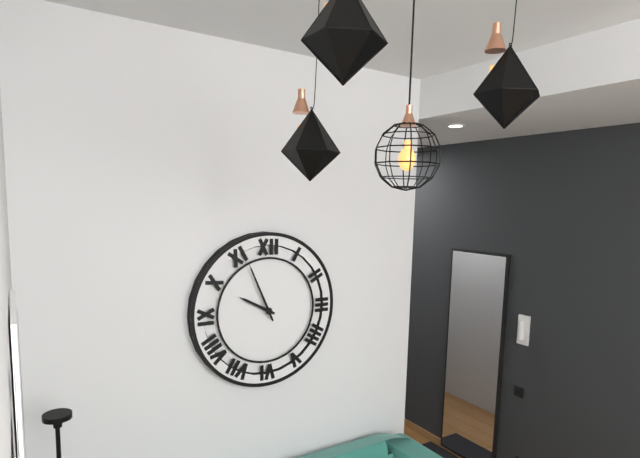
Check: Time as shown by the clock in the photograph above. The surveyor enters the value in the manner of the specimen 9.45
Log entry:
9.56
